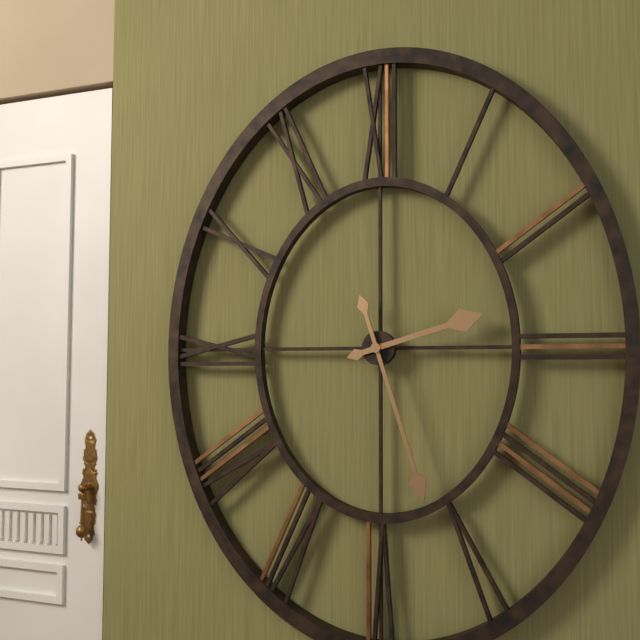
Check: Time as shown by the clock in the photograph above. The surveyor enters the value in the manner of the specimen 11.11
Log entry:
2.27
